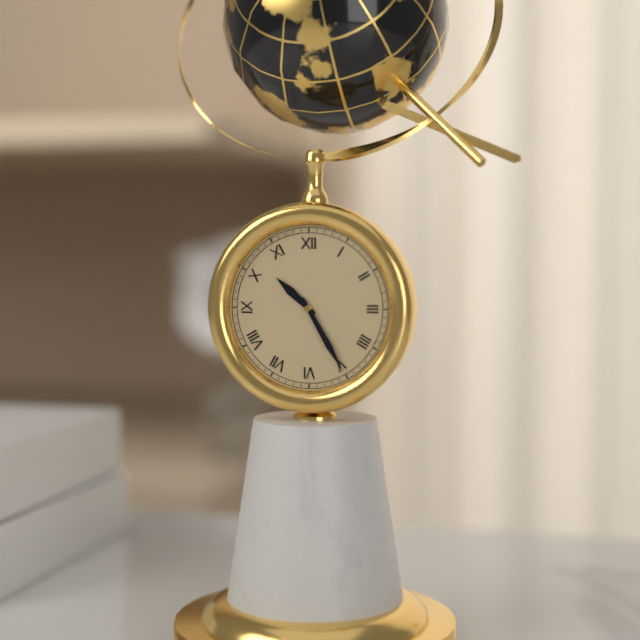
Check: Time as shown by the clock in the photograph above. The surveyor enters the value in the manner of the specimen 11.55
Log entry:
10.25
